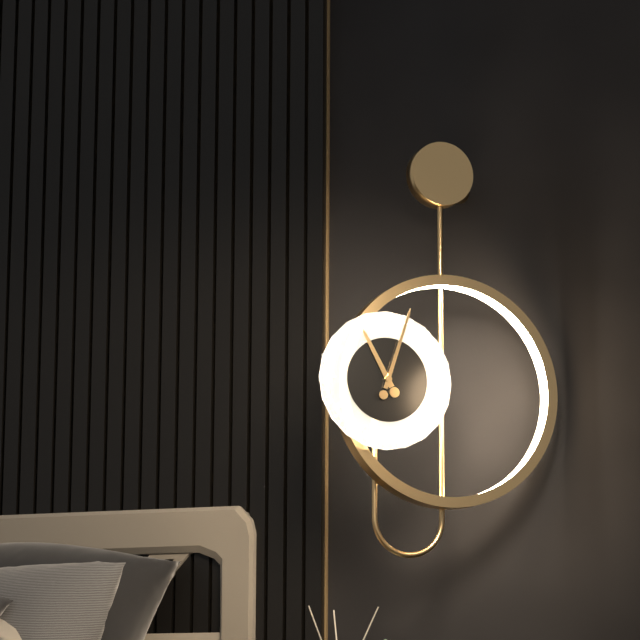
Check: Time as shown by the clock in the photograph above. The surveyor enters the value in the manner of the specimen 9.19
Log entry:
11.03
